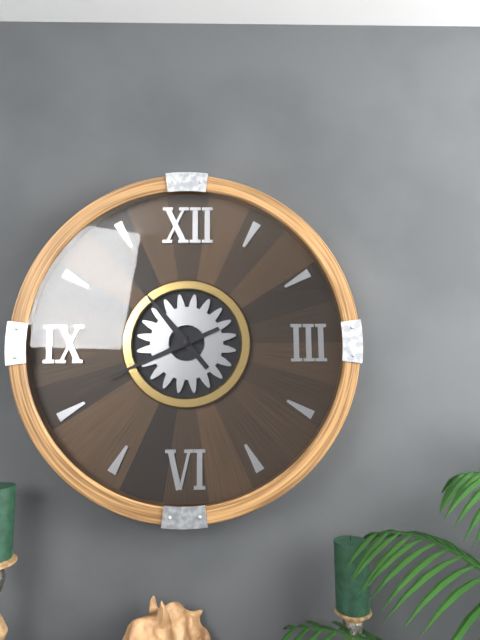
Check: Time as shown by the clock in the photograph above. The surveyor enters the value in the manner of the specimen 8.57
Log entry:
10.41
